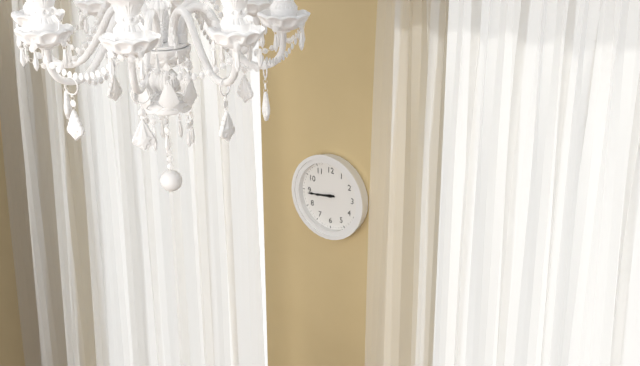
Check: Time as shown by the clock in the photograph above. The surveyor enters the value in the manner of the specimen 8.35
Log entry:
8.44
